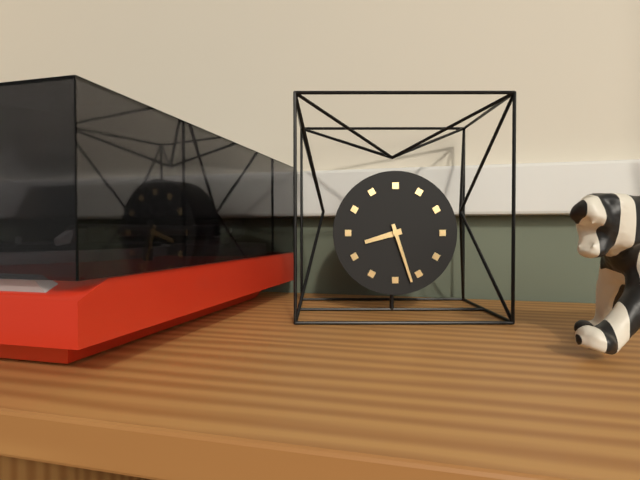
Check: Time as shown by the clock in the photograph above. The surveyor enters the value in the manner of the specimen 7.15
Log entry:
8.27
